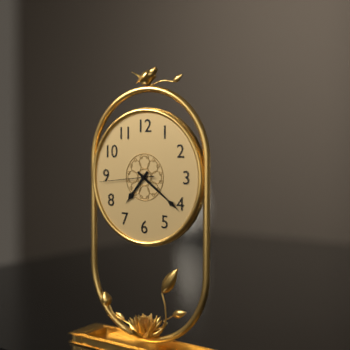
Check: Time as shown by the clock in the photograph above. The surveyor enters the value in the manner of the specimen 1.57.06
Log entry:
7.21.44
